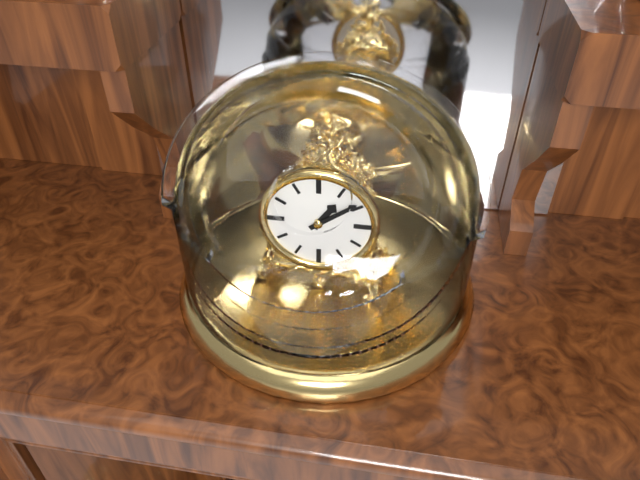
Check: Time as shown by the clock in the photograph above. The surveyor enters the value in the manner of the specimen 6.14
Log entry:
1.09
